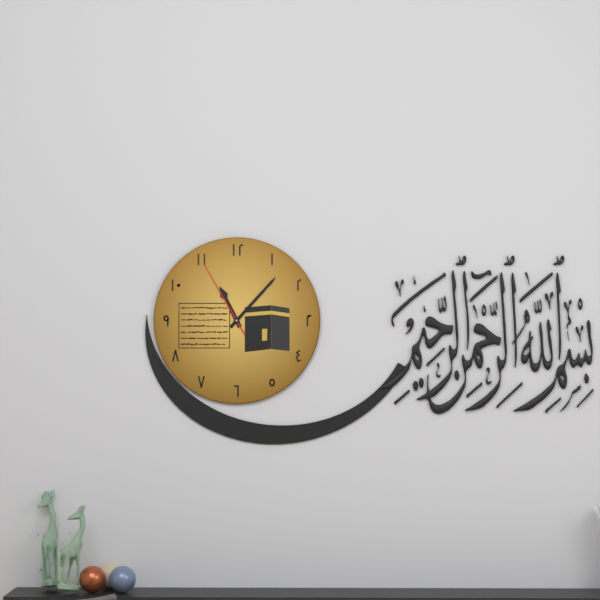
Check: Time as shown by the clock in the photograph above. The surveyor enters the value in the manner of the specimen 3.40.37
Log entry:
11.07.55
